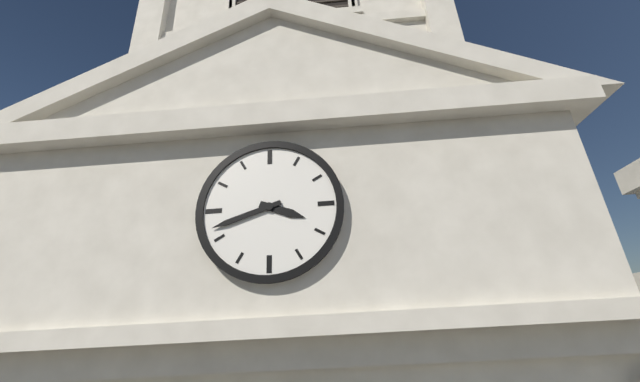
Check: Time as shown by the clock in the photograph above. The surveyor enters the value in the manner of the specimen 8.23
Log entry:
3.42
